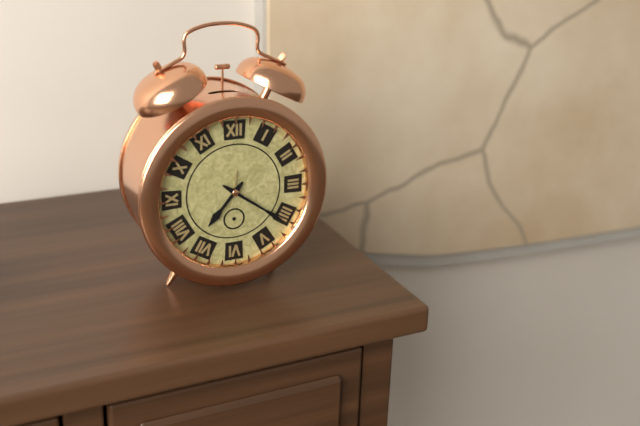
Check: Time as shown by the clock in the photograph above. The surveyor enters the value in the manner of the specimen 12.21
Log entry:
7.21
